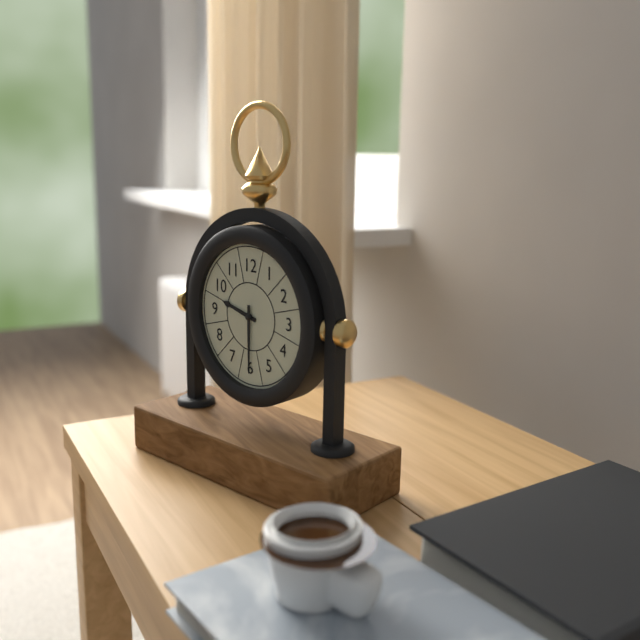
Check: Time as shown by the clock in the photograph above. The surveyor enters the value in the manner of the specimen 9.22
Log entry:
9.30
